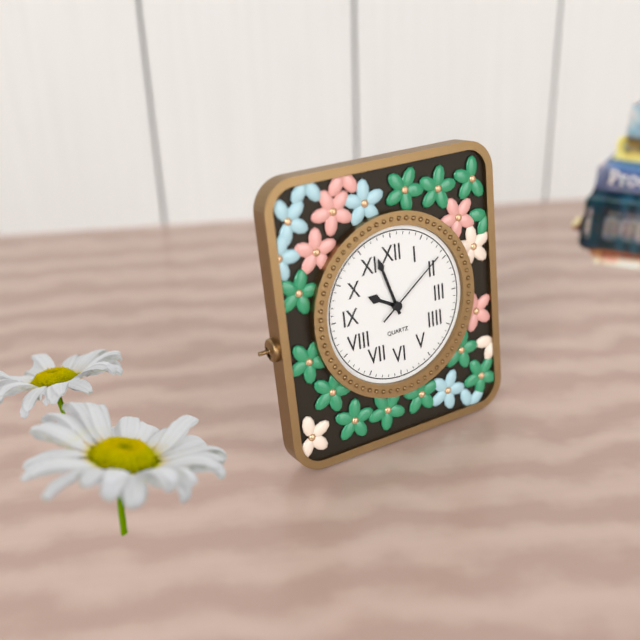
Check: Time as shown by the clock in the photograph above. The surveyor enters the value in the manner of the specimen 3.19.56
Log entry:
9.57.09
